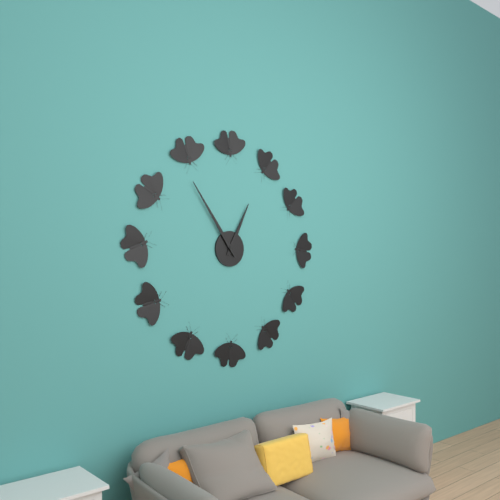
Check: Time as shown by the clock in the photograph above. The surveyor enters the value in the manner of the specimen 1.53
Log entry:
12.54
